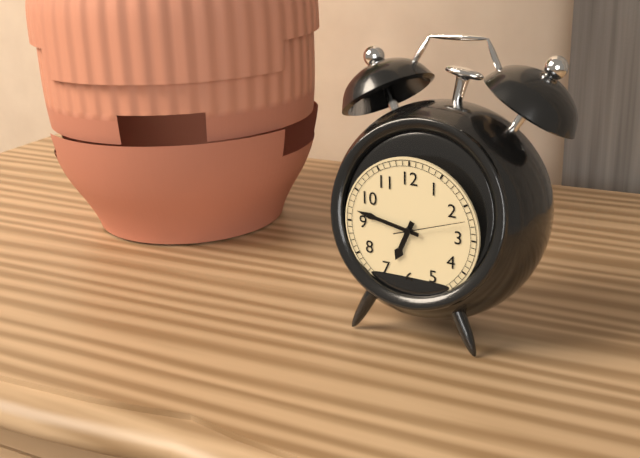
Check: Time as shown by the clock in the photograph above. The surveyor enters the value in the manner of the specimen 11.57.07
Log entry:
6.47.12
